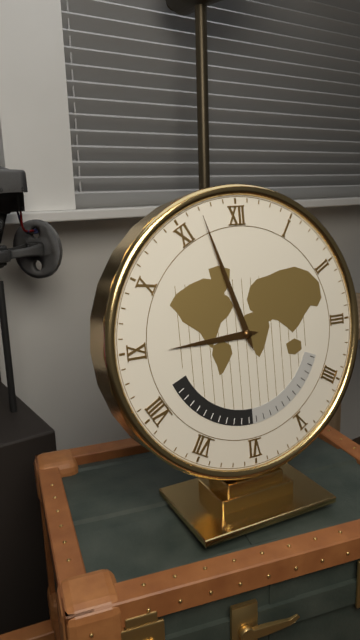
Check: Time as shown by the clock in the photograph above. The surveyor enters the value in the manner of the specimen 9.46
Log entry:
8.57
